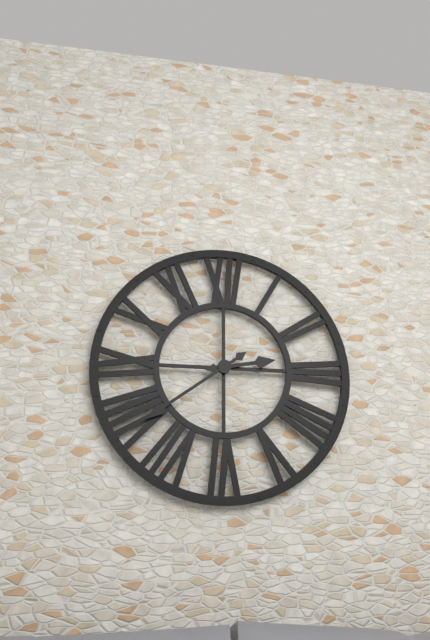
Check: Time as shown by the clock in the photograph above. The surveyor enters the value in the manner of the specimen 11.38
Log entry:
2.39
